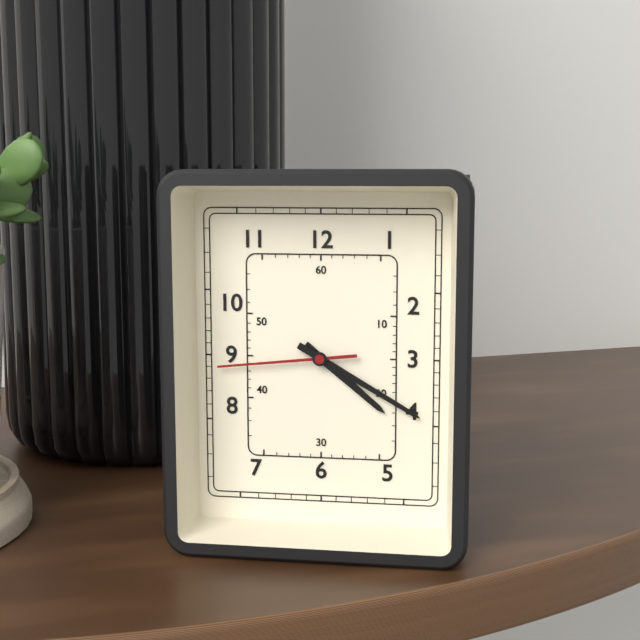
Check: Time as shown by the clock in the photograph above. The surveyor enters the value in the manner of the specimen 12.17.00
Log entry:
4.20.44
